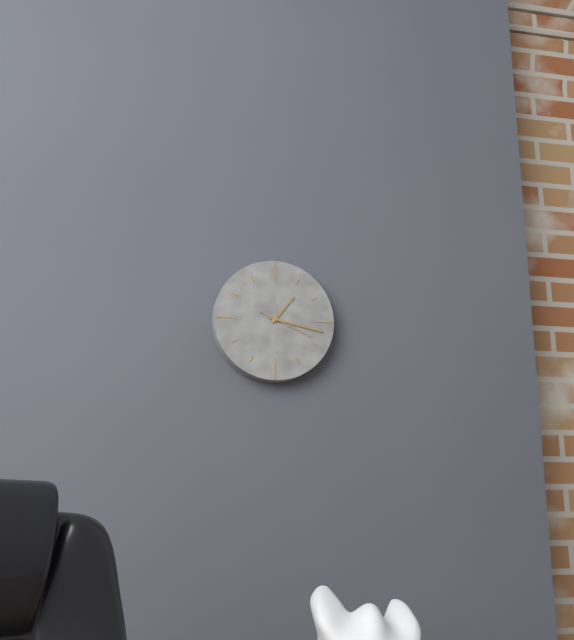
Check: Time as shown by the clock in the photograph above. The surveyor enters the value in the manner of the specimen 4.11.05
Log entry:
1.17.19
